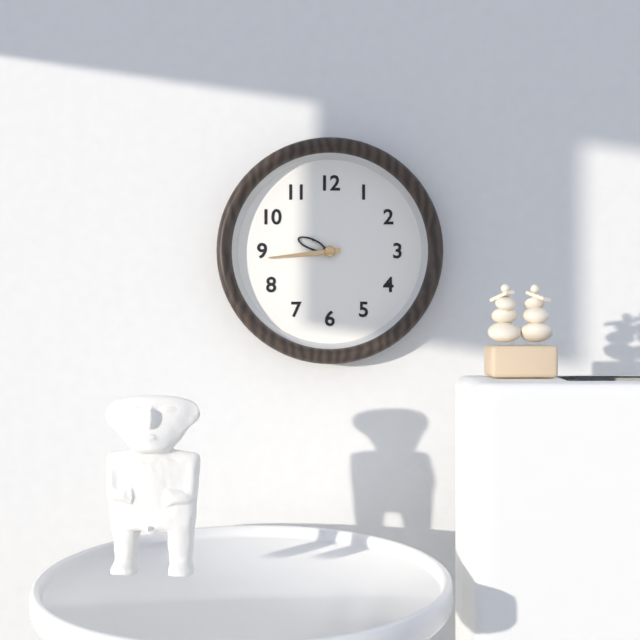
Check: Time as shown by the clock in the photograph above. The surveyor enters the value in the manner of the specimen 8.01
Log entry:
9.44
